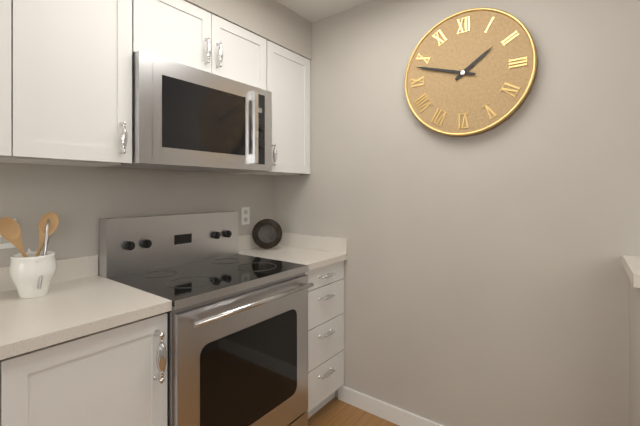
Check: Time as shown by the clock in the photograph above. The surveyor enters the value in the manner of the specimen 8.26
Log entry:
1.48
